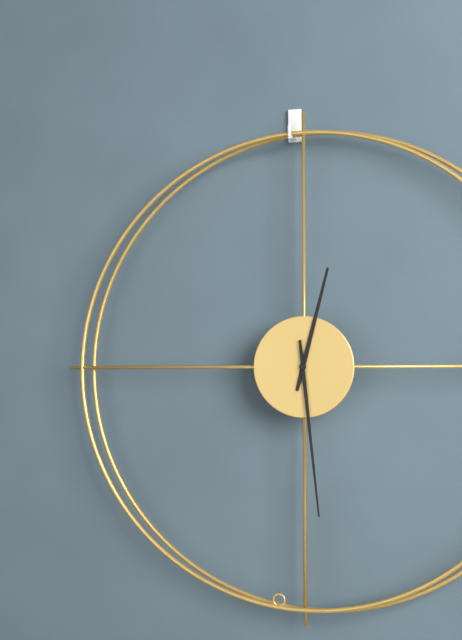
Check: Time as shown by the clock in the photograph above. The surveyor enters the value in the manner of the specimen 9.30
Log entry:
12.29
